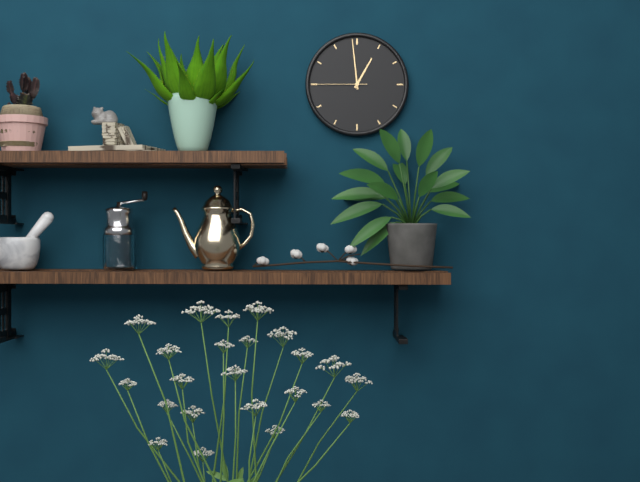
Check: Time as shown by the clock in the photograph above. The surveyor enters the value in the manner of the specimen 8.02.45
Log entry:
12.59.45
